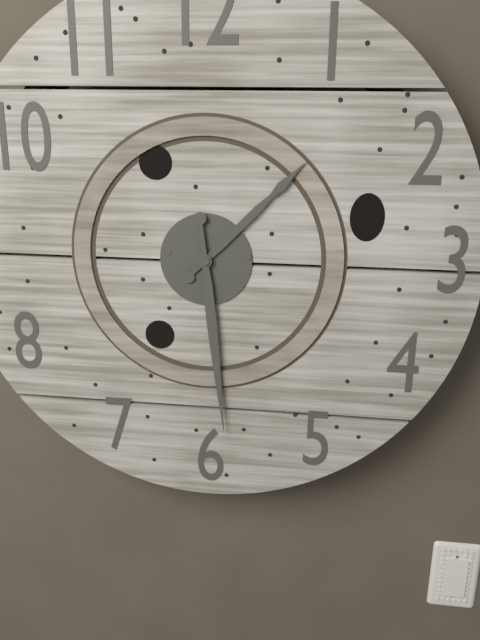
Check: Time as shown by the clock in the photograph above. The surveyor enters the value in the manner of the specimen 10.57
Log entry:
1.29
